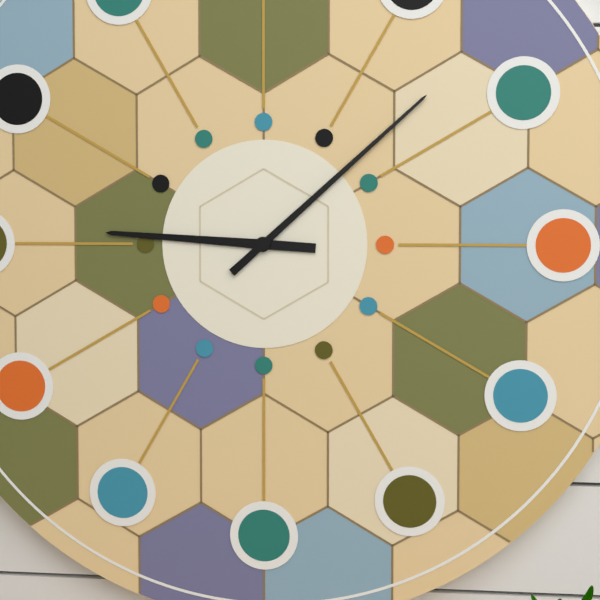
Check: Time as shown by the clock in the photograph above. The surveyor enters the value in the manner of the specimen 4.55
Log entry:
9.08
